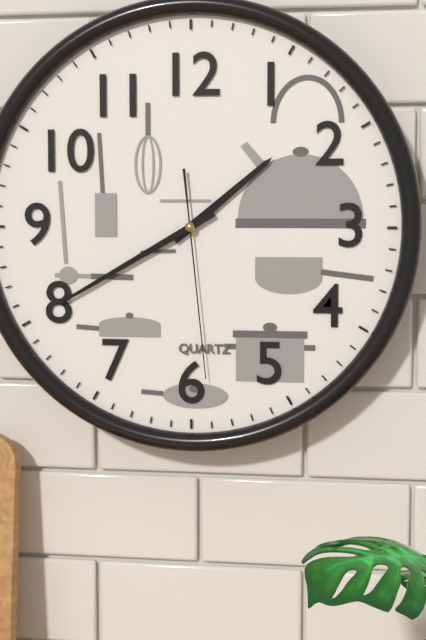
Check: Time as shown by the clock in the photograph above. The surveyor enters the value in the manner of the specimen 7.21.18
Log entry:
1.40.29
